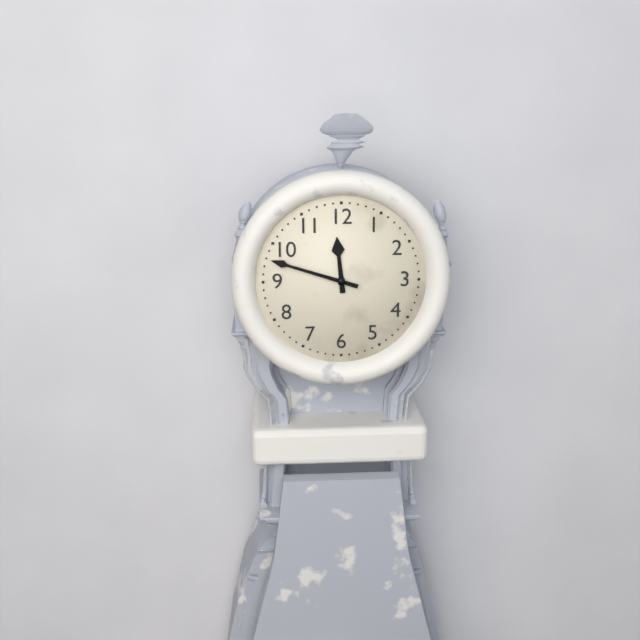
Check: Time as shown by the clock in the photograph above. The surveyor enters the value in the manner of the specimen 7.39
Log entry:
11.48
